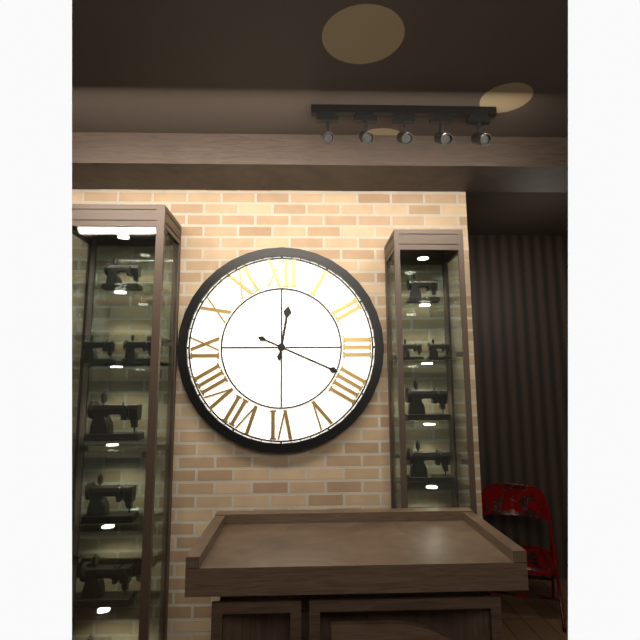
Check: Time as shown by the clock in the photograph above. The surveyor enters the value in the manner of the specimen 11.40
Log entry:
12.19
